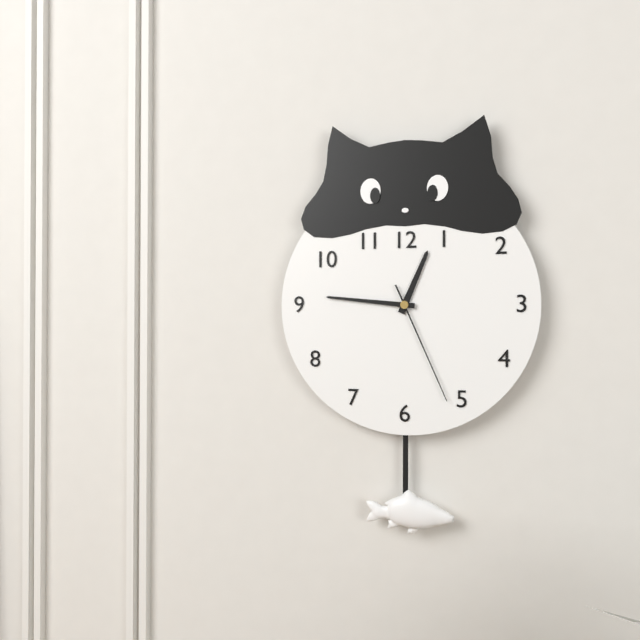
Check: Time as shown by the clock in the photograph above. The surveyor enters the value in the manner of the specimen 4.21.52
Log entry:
12.46.26
